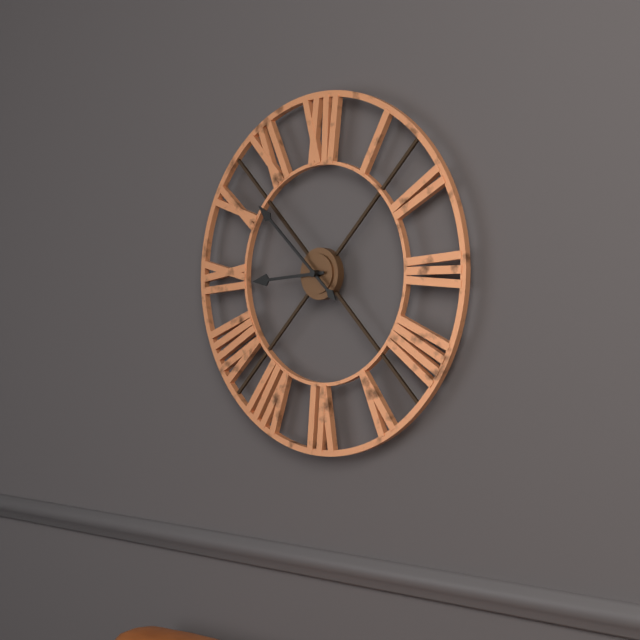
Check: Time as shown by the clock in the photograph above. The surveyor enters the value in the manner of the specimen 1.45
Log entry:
8.52
